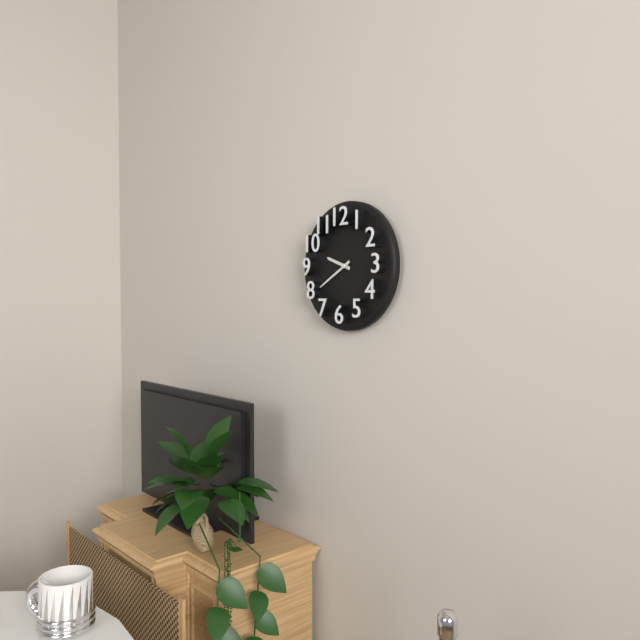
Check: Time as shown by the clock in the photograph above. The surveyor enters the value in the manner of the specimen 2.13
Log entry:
9.40
